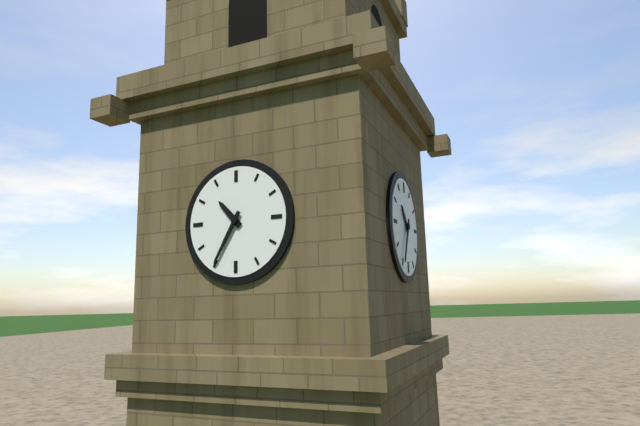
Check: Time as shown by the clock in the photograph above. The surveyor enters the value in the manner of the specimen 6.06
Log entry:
10.35
